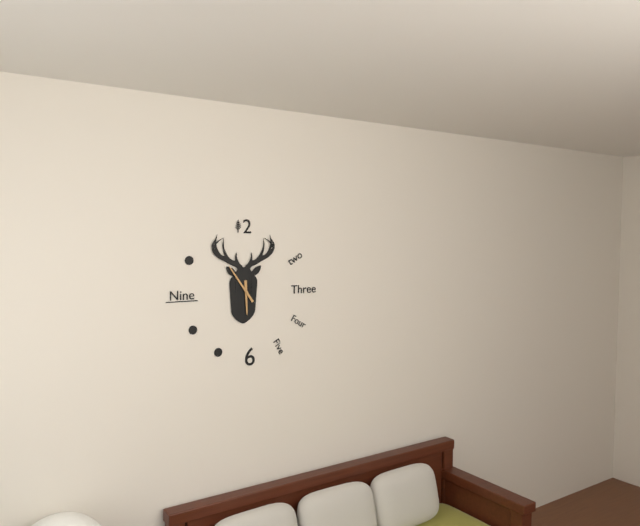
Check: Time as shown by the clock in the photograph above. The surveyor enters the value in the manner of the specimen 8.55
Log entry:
5.54
